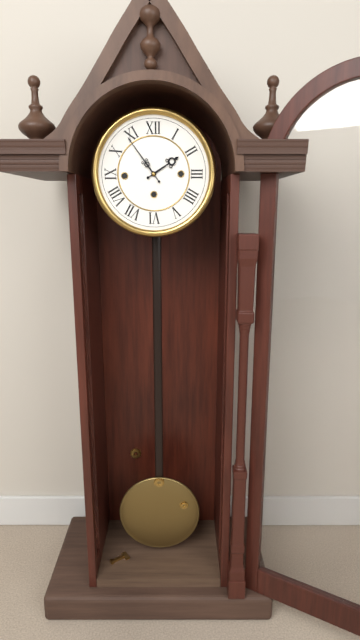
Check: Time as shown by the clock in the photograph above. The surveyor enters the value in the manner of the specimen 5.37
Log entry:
1.54
